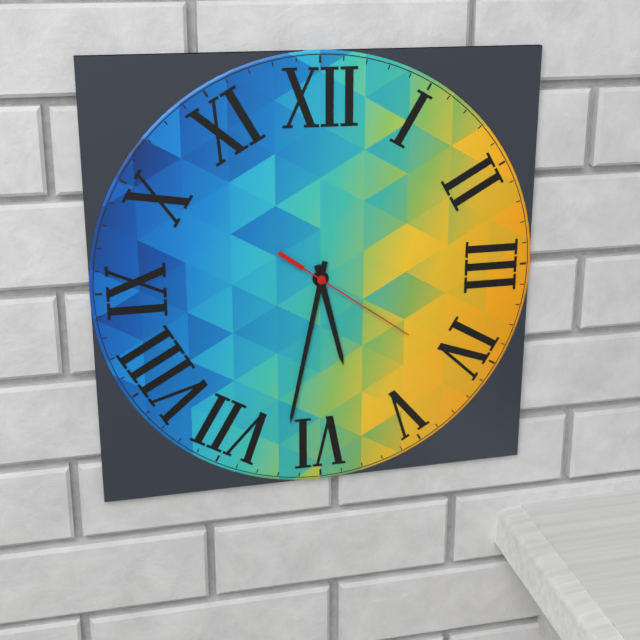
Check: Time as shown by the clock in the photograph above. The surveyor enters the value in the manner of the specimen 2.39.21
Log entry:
5.32.21
